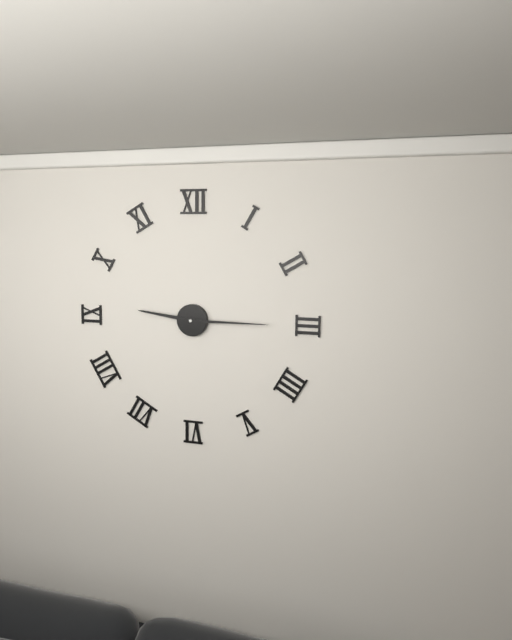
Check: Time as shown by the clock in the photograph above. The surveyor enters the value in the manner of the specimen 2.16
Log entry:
9.15
